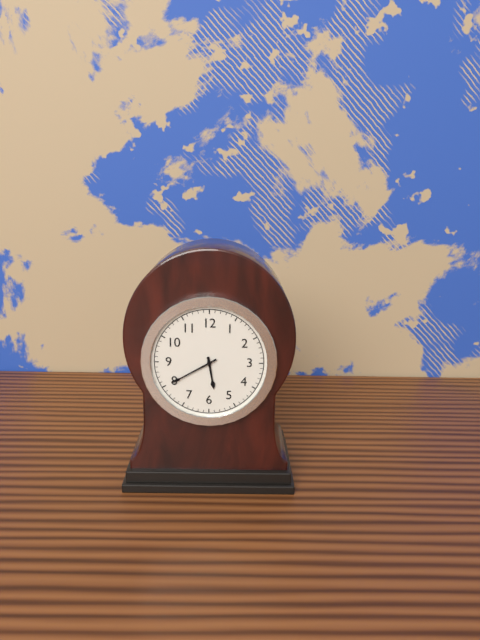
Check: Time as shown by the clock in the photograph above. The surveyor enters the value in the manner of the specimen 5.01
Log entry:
5.40
